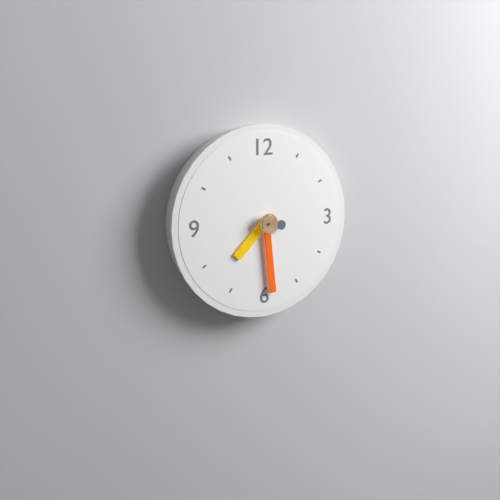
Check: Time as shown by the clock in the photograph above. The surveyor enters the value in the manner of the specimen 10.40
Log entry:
7.29
